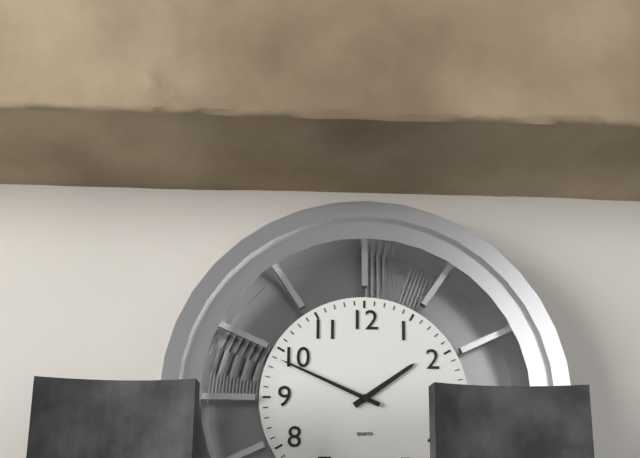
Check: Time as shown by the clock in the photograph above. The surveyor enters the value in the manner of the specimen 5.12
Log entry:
1.49
